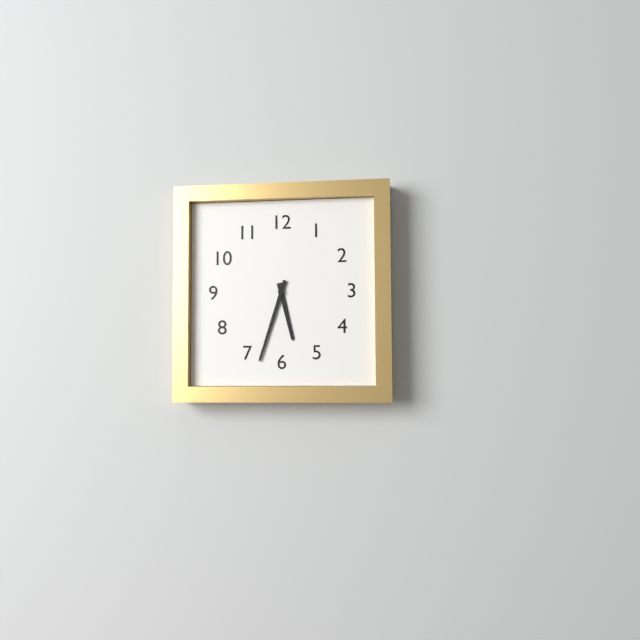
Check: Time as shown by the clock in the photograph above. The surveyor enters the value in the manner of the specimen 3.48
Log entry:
5.33
